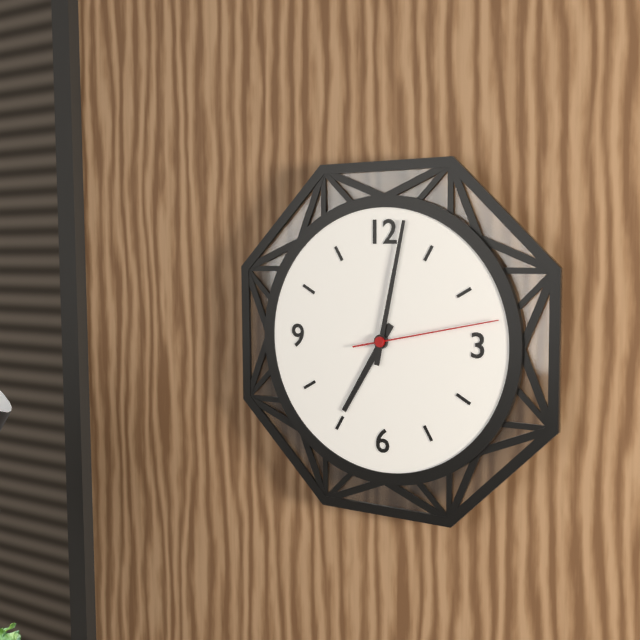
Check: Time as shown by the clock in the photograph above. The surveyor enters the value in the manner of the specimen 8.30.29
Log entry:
7.02.13
